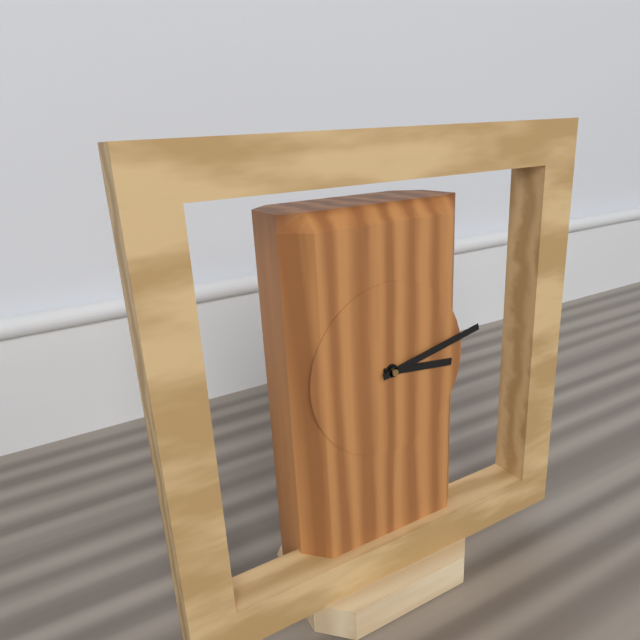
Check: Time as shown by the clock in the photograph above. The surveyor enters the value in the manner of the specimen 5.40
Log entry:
3.13
